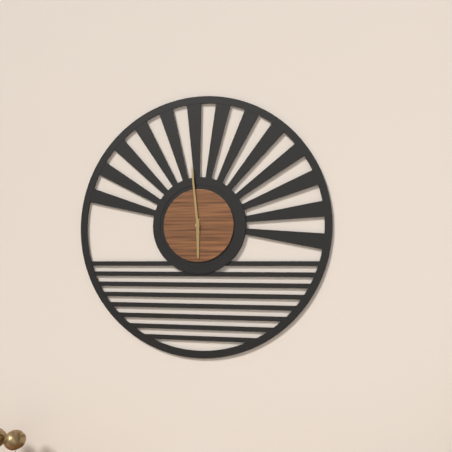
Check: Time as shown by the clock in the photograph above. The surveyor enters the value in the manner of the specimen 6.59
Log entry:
5.59
